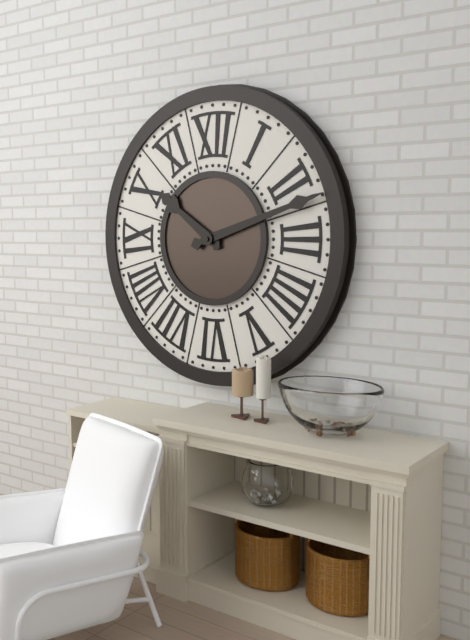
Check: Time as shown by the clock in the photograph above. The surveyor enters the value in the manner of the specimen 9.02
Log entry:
10.12
